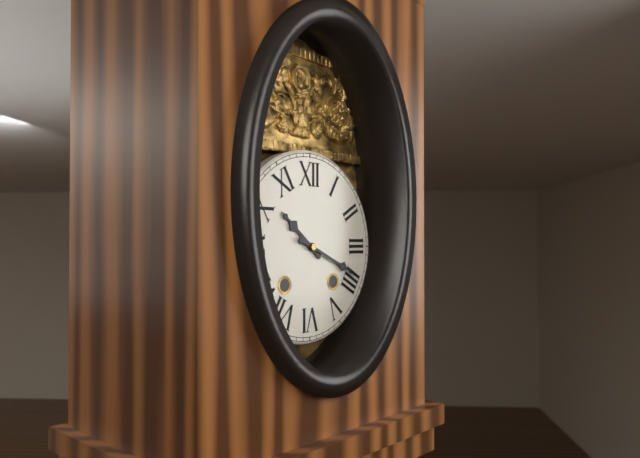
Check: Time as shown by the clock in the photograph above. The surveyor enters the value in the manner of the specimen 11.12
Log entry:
10.19
